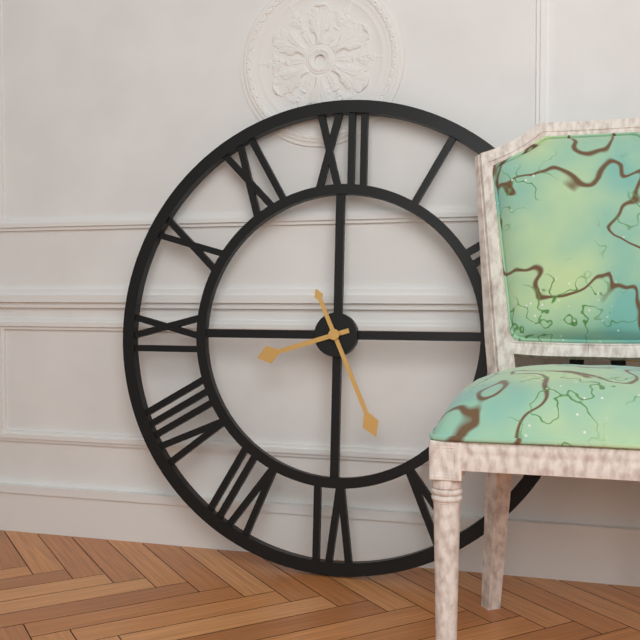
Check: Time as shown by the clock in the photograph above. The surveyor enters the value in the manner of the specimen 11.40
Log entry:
8.26
